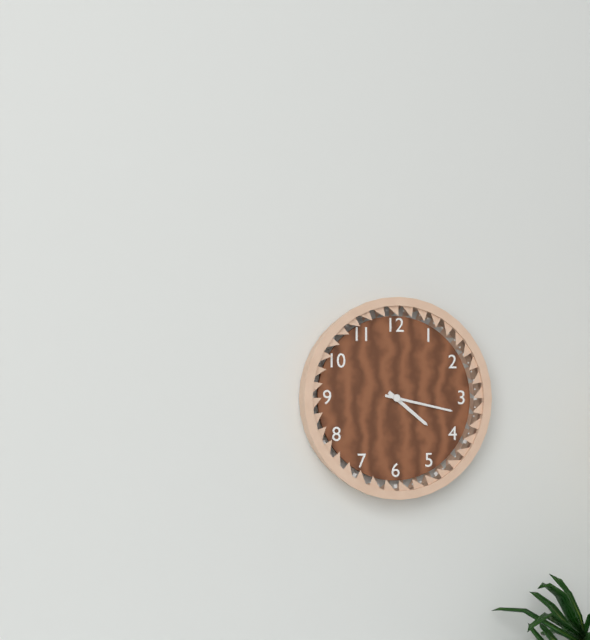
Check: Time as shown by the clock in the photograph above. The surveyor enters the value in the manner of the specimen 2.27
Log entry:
4.17
